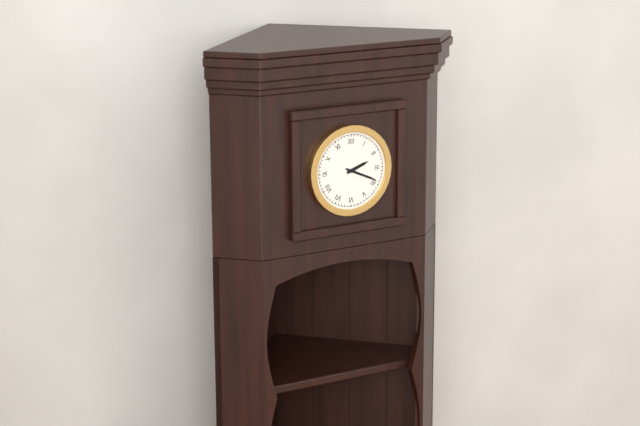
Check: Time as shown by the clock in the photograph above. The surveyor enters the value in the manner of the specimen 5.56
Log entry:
2.19
